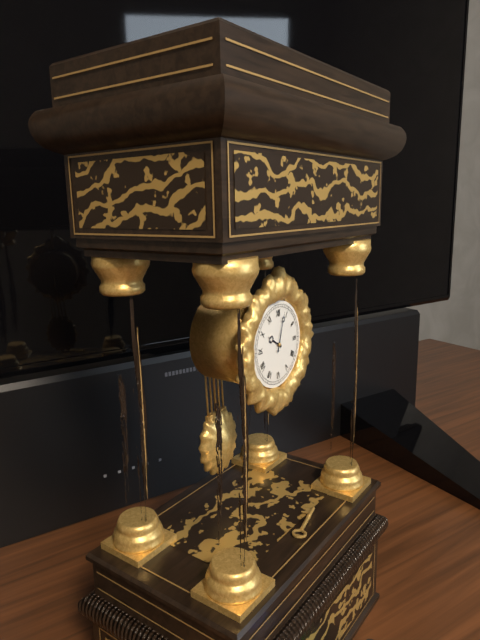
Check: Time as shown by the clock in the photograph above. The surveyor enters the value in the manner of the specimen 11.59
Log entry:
10.03
